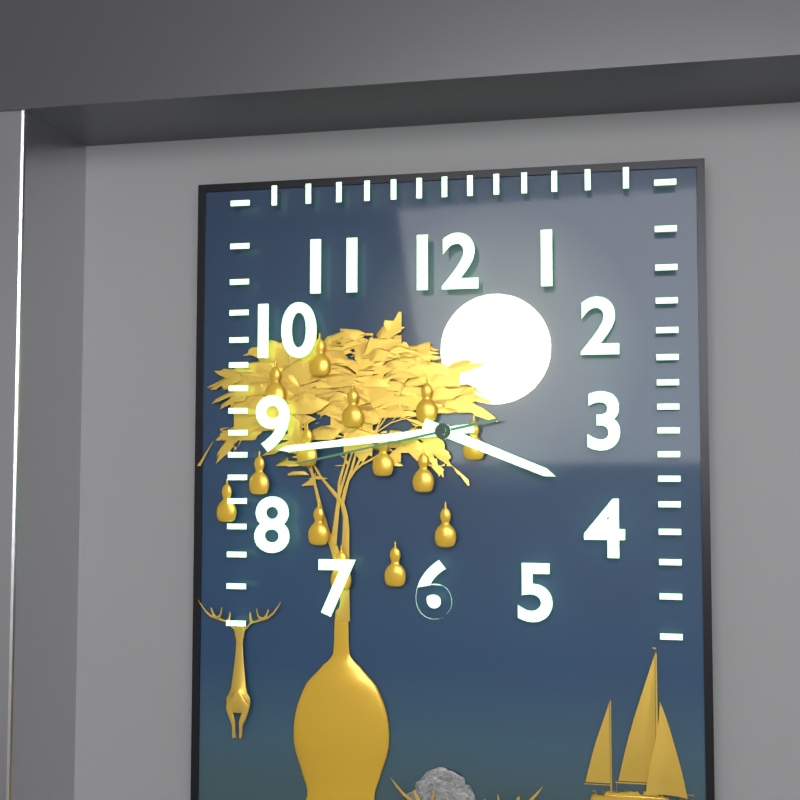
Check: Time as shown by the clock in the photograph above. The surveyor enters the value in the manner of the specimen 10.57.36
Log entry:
3.44.43
